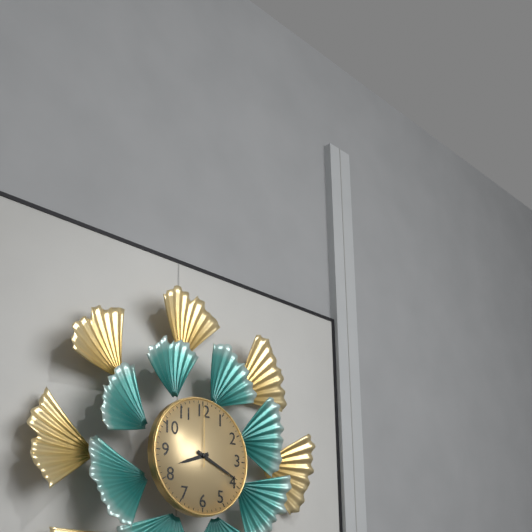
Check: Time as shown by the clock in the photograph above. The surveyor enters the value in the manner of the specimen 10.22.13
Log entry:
8.19.00
